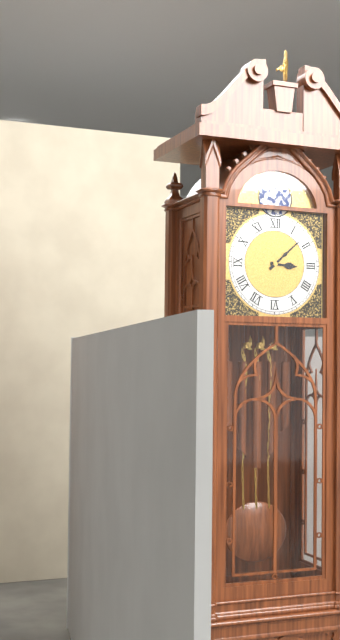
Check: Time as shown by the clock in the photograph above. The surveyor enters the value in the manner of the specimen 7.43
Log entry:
3.08
